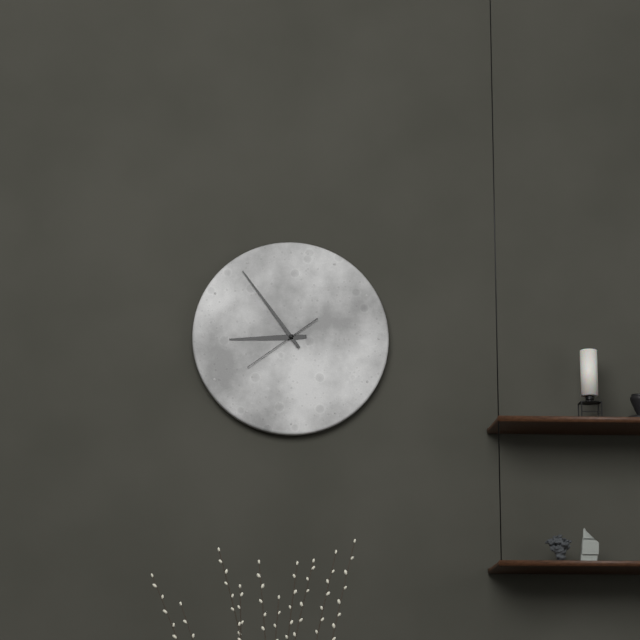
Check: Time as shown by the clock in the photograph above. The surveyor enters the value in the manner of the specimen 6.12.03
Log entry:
8.54.39
